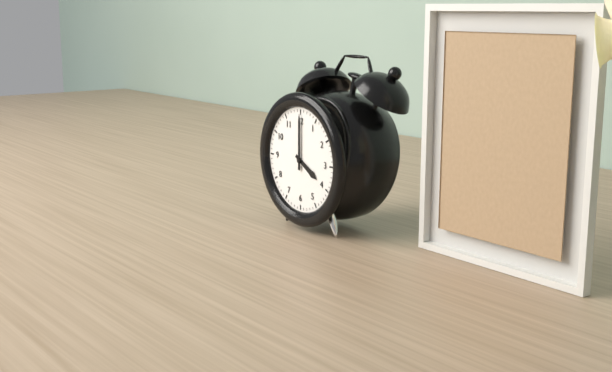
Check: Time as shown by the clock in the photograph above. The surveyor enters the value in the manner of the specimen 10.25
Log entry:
4.00
